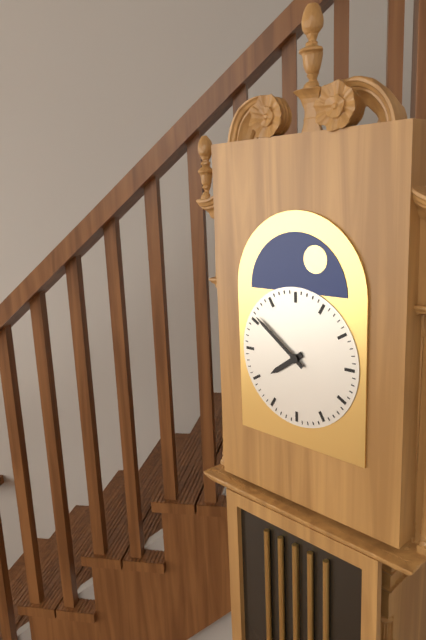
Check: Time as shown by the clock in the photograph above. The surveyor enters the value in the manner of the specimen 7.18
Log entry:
7.51
